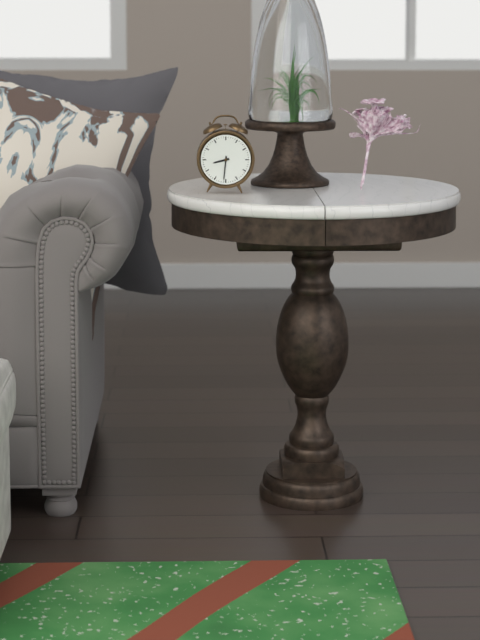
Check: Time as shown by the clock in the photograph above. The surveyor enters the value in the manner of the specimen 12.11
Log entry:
8.31
